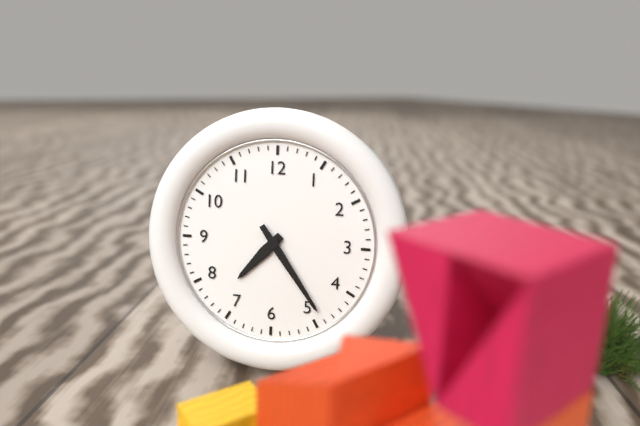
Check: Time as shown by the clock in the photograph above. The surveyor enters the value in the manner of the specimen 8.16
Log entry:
7.24
